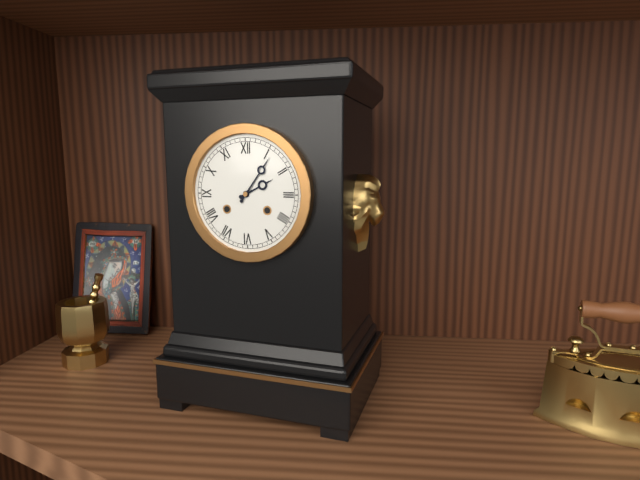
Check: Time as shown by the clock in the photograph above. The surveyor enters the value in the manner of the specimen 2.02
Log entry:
2.06
